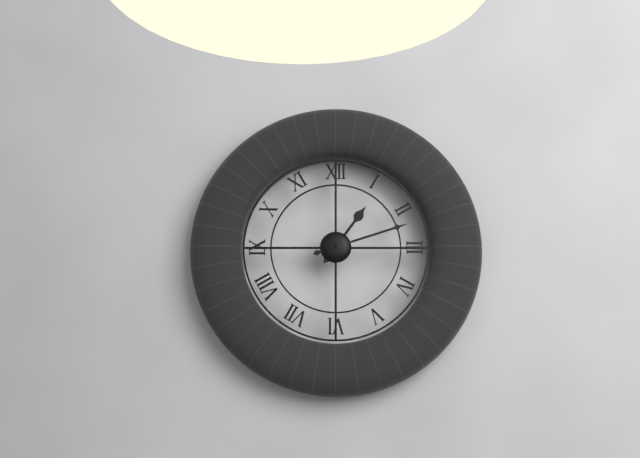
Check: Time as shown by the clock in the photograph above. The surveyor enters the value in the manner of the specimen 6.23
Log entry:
1.12
